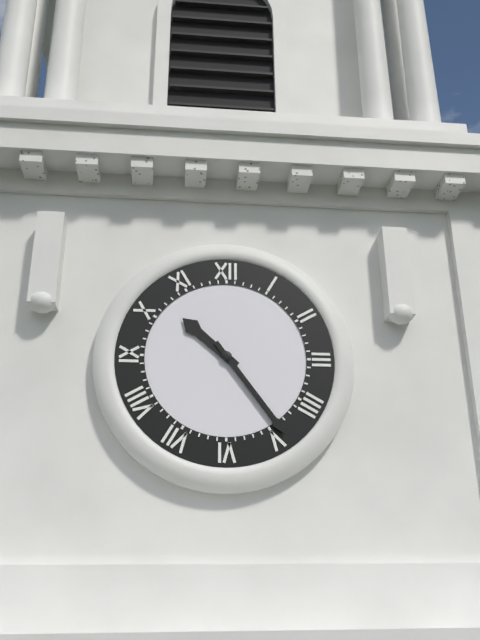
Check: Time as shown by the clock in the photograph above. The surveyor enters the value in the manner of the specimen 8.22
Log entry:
10.24
